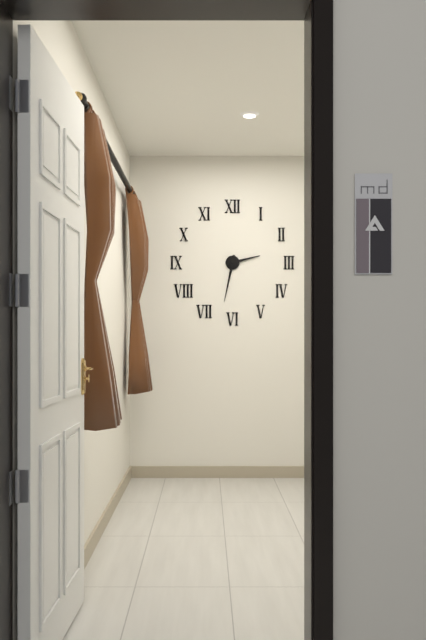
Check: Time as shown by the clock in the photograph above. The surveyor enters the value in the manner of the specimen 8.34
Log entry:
2.32
